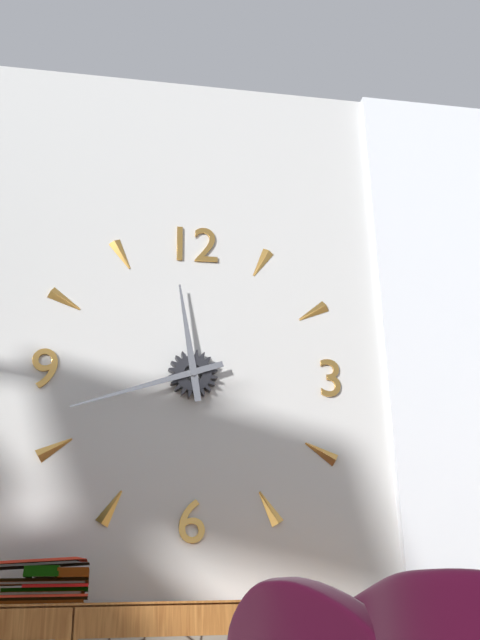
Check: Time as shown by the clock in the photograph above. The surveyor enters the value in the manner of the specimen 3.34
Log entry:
11.42
